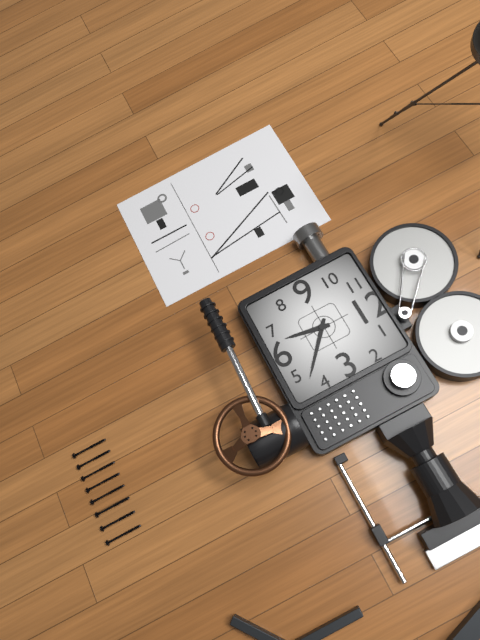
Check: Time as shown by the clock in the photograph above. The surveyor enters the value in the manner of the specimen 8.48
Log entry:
6.22
